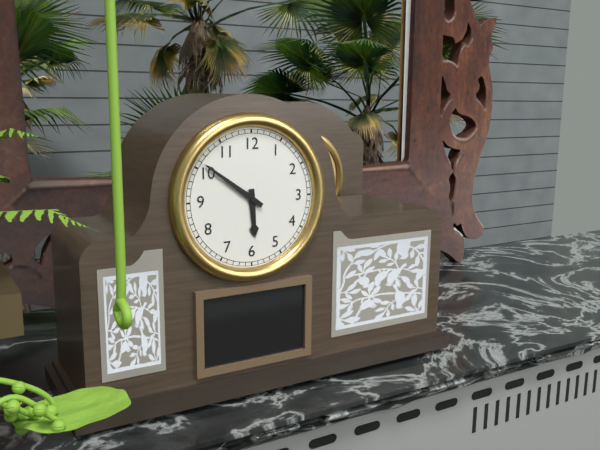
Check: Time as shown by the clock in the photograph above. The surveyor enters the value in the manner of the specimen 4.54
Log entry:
5.51
